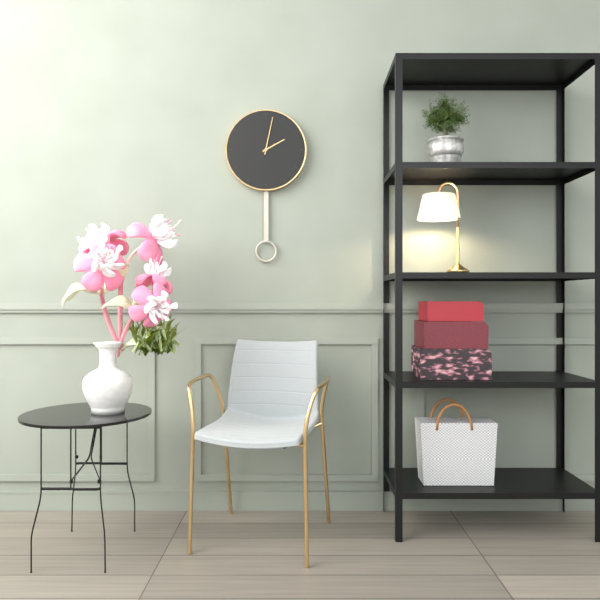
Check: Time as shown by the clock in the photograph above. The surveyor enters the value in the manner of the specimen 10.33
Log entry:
2.02
